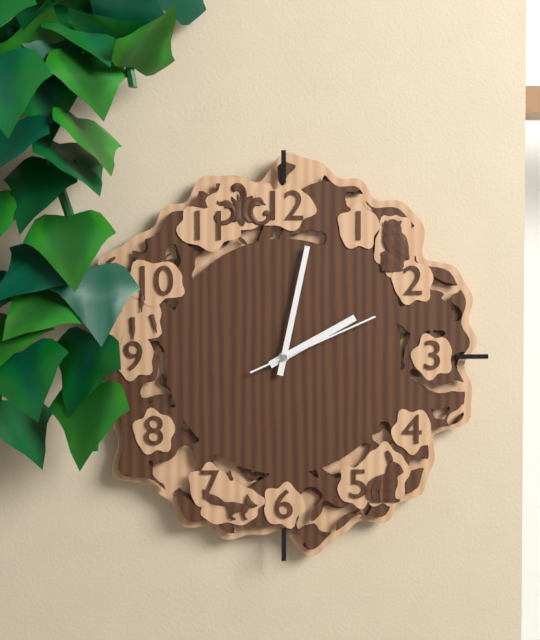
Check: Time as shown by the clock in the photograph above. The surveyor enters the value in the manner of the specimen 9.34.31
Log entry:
2.02.11
